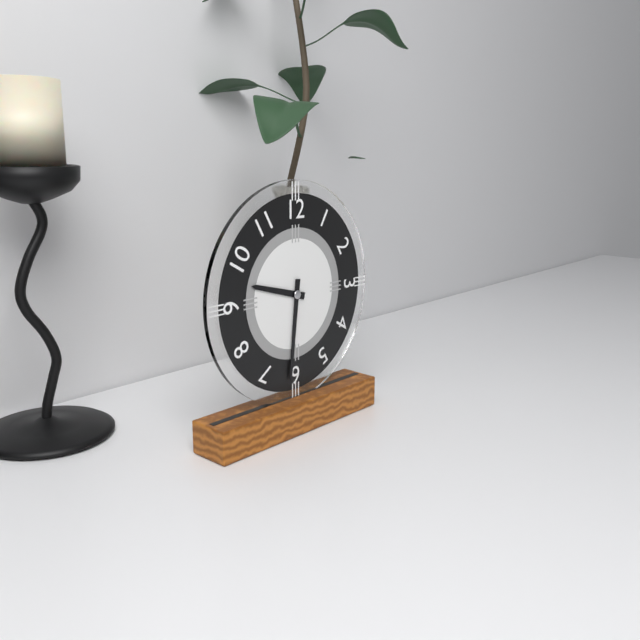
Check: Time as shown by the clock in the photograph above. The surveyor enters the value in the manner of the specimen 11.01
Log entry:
9.31
